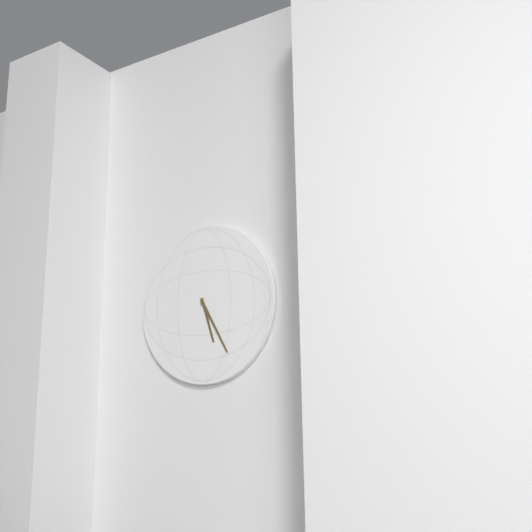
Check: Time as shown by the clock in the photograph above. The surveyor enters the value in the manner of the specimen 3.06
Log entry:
5.25
